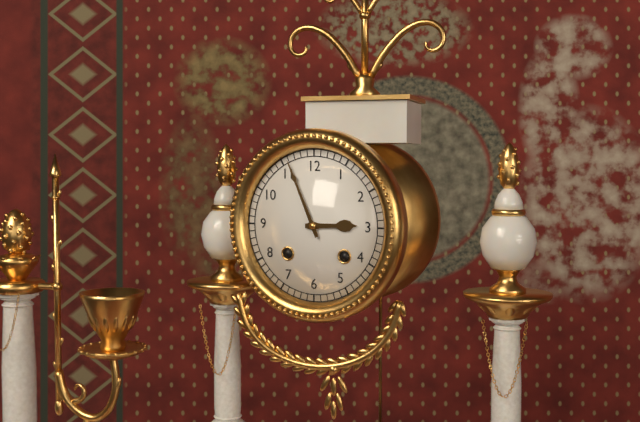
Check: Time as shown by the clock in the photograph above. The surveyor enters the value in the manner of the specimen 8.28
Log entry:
2.56
